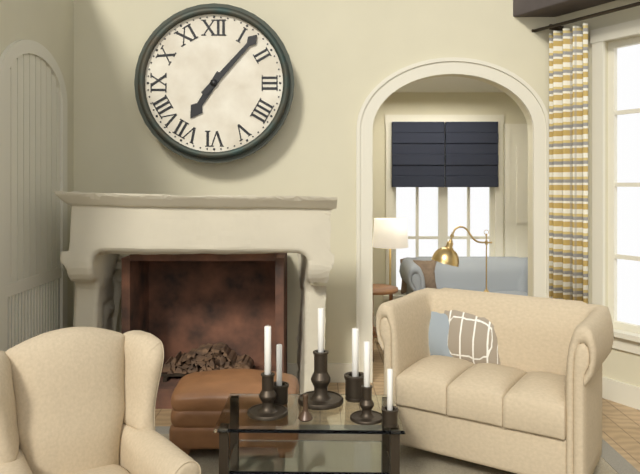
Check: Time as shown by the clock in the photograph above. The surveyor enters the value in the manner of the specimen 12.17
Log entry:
7.07
